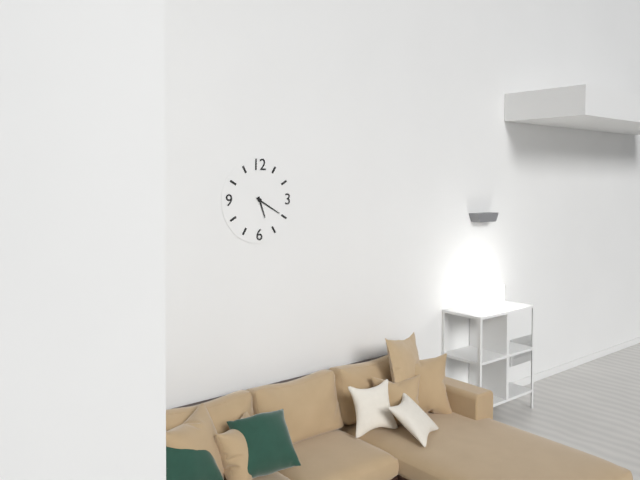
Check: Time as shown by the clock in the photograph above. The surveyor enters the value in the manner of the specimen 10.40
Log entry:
5.20
